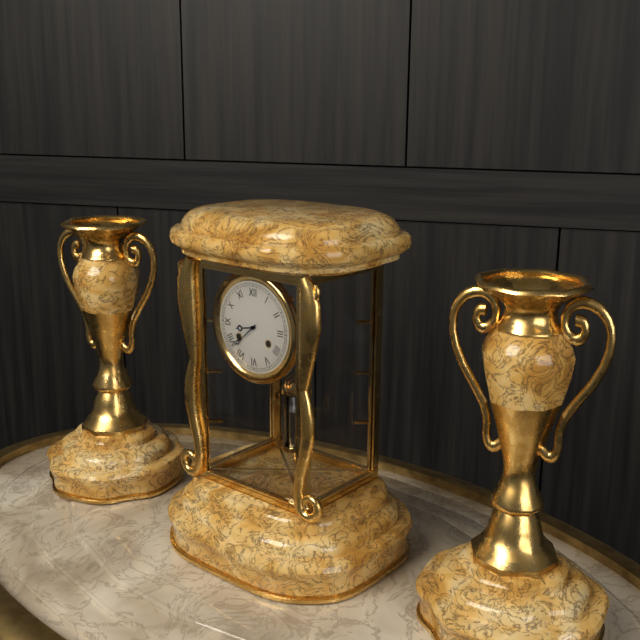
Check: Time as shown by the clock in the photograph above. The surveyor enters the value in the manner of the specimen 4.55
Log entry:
8.38
